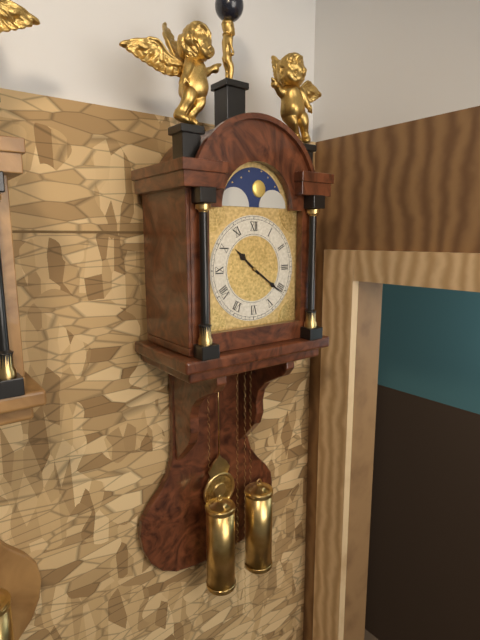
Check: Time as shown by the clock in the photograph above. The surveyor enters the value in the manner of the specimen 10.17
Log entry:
10.21
